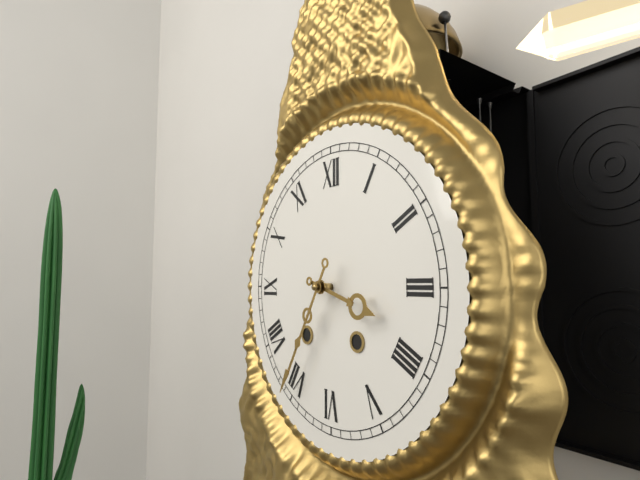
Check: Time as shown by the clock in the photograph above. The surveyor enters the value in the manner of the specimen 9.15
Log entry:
3.35
